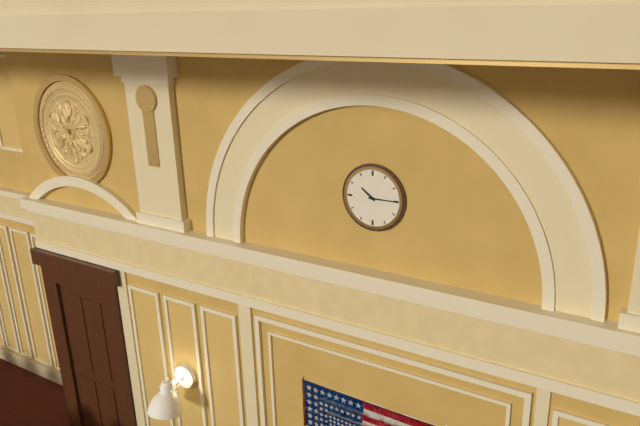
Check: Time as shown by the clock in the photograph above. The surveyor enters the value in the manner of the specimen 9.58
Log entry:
10.15
